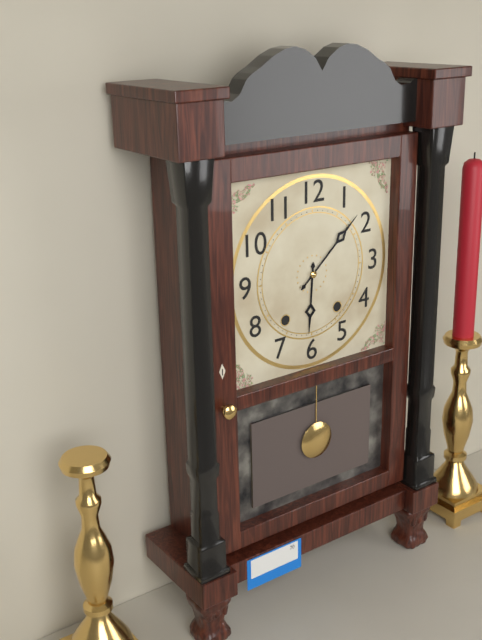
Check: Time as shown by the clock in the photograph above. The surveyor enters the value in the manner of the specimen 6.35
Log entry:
6.08
